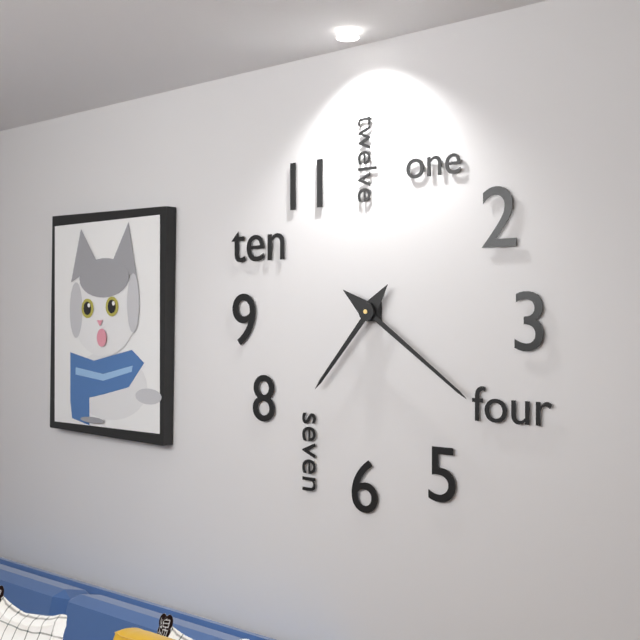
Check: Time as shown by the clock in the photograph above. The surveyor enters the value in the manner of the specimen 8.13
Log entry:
7.21
